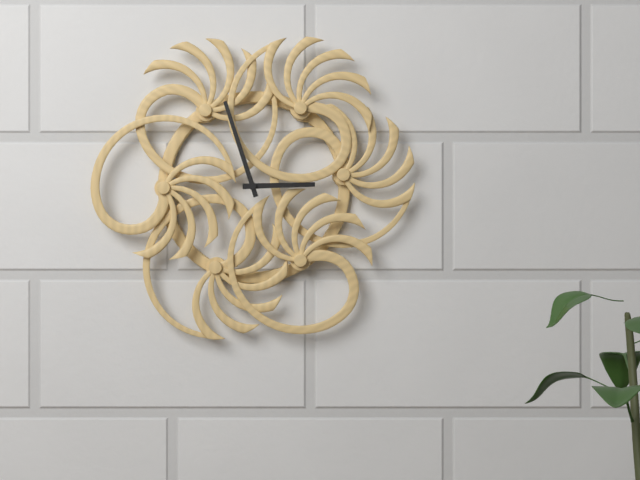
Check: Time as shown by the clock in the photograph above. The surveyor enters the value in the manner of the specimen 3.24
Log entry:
2.57
